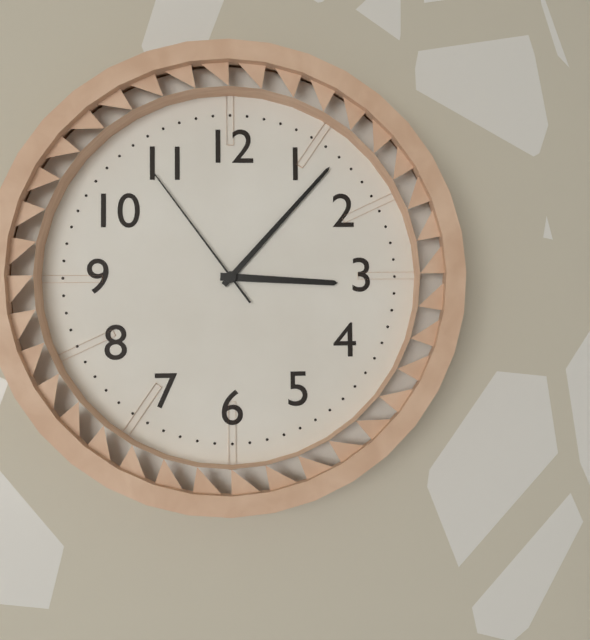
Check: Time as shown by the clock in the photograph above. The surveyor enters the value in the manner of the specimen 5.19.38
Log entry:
3.07.54
